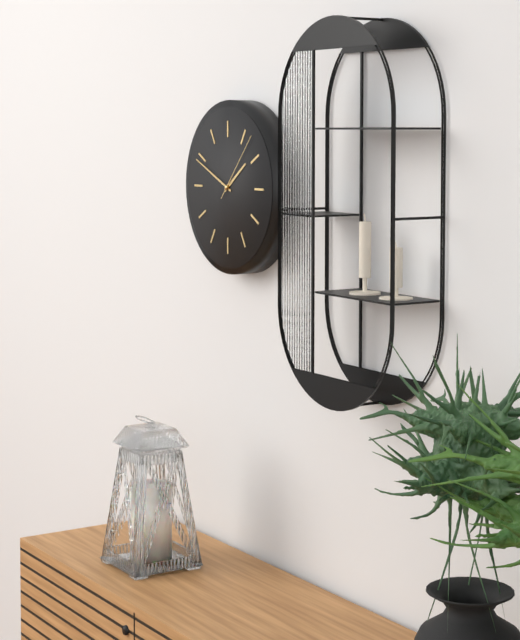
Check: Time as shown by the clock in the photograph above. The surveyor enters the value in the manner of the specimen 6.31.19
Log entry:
1.49.07
